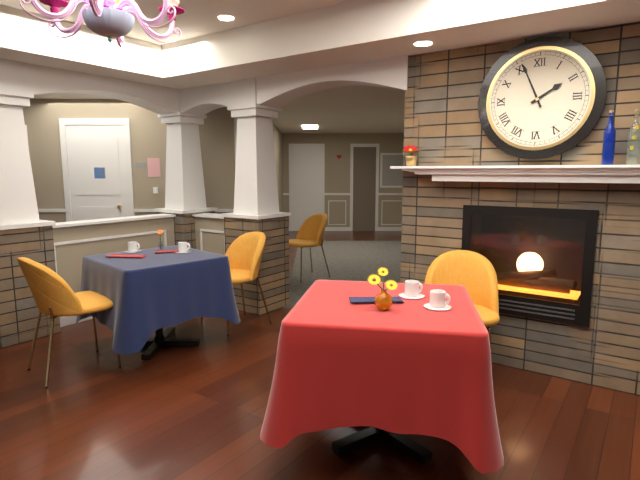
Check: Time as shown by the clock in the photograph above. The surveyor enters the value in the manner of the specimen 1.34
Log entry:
1.56
